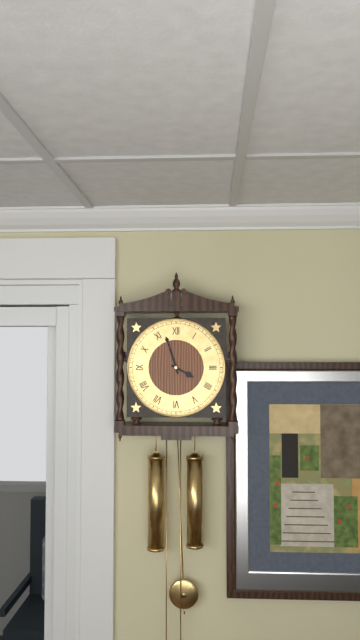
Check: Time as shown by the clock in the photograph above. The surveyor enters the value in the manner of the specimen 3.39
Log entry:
3.57
